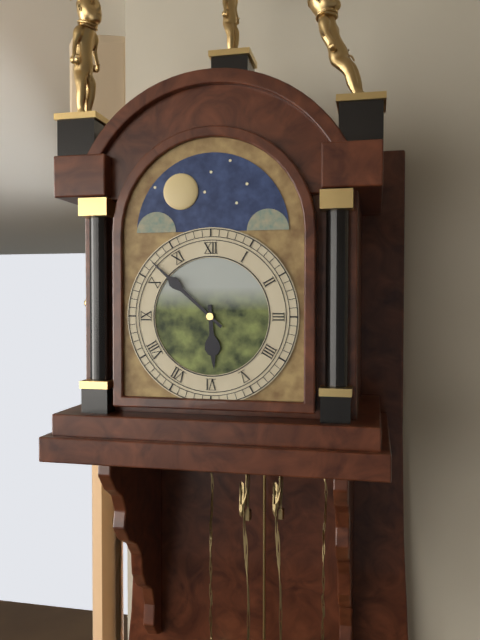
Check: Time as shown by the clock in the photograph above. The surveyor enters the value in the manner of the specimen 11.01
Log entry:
5.52
